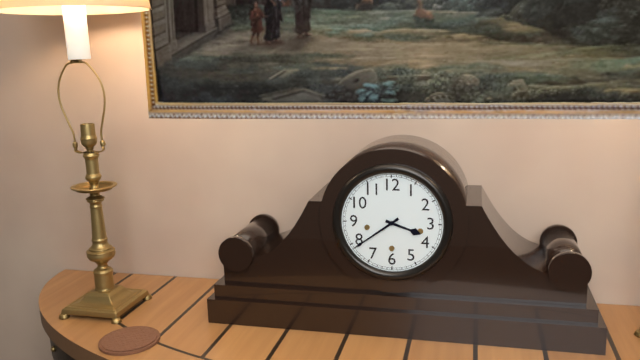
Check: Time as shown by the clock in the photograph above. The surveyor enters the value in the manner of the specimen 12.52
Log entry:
3.39
